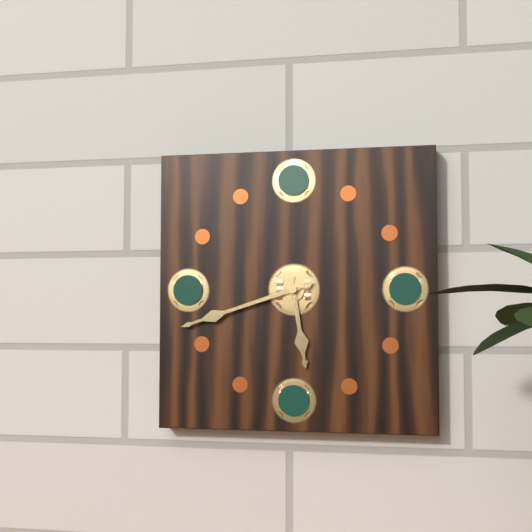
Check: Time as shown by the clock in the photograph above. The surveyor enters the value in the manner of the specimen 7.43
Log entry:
5.42
